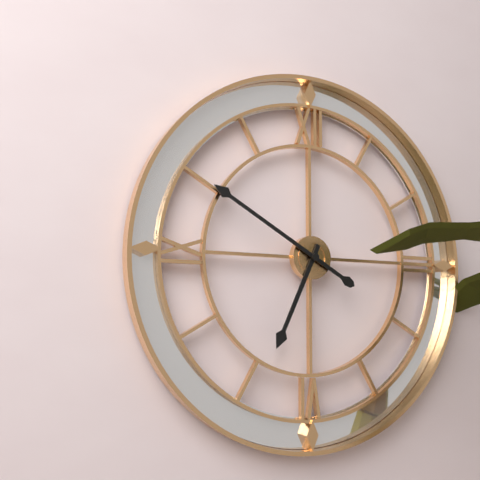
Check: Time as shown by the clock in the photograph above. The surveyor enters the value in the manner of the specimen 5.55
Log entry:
6.50
